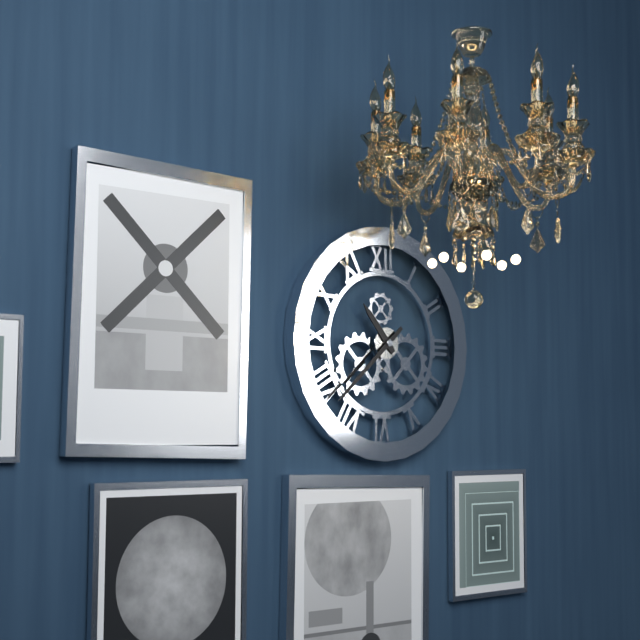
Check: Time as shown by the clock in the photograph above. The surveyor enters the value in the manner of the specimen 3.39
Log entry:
10.38
